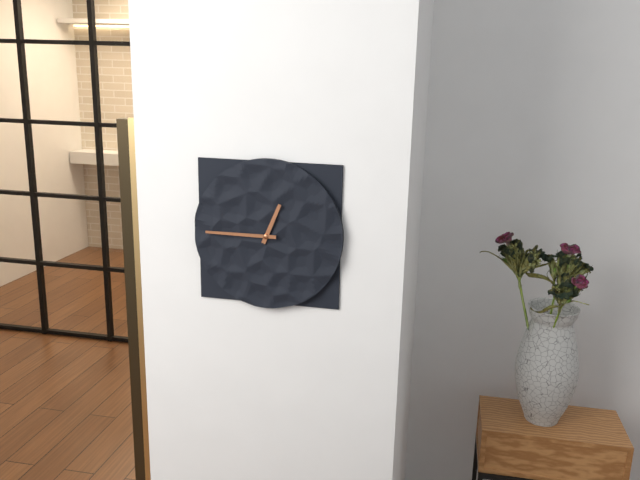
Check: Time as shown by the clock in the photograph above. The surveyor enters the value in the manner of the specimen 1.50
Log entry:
12.45
